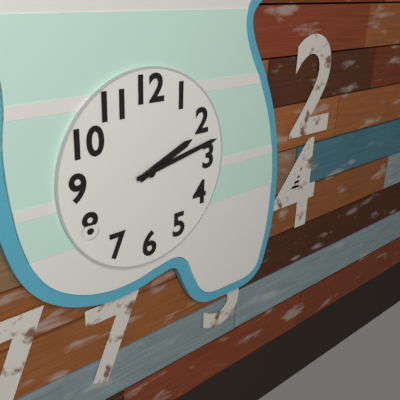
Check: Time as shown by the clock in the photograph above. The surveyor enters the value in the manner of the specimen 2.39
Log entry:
2.13
